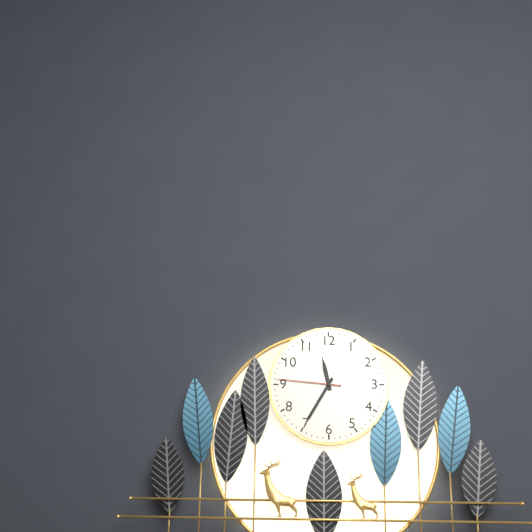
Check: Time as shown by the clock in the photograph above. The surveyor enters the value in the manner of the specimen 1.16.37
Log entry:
11.35.46
